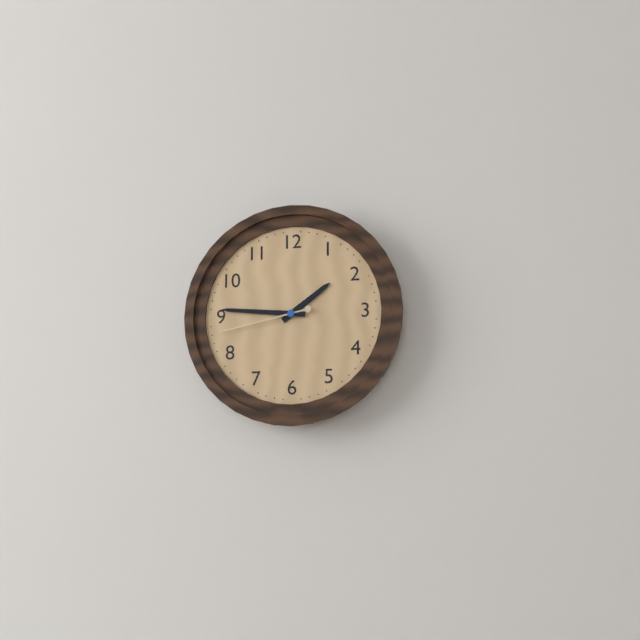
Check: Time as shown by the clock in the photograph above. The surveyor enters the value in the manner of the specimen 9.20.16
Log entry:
1.46.43
